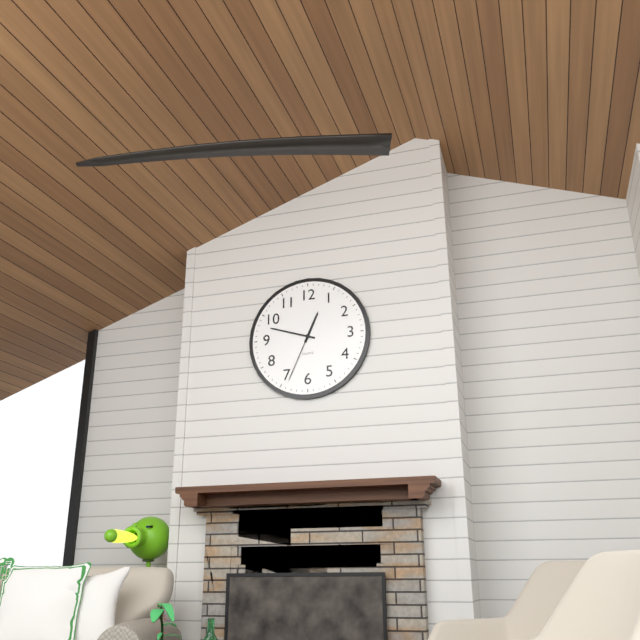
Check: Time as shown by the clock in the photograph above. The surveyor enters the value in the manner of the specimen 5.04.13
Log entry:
12.48.34
